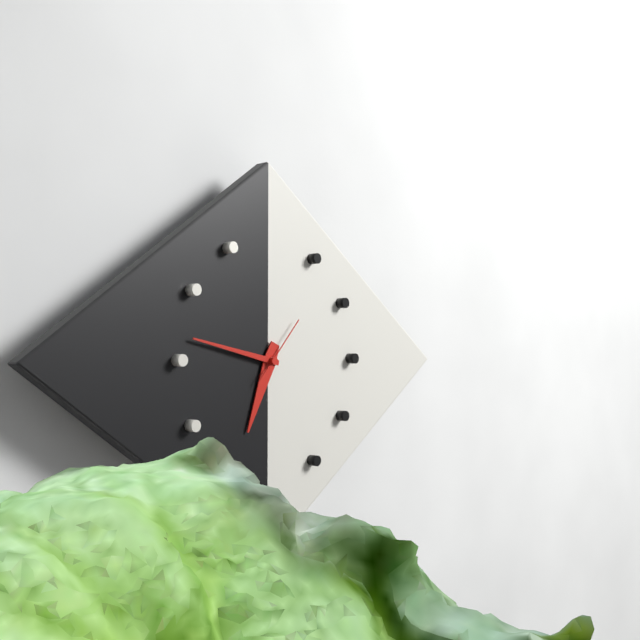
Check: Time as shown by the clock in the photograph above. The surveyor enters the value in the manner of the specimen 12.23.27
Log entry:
6.47.07
